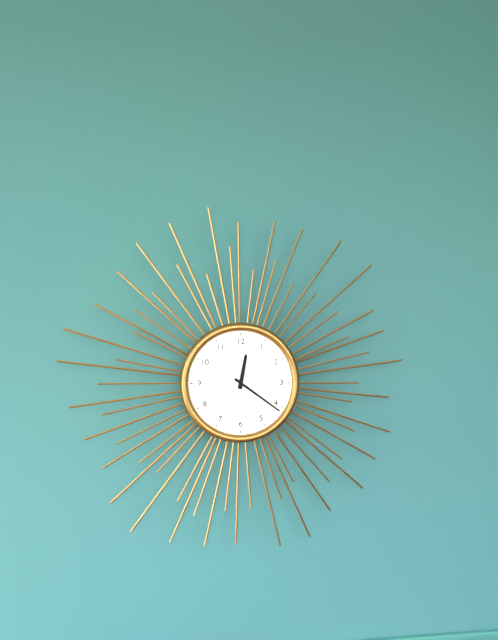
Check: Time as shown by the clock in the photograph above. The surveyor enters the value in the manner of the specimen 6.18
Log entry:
12.21
